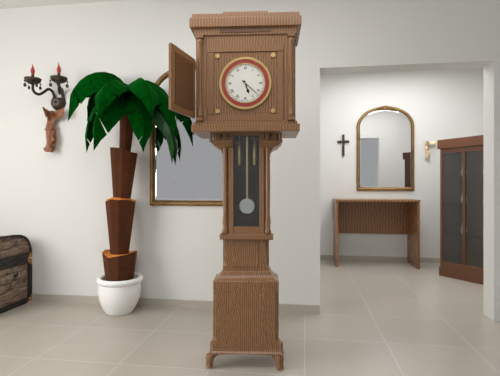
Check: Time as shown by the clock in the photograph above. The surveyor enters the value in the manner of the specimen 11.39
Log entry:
5.22
